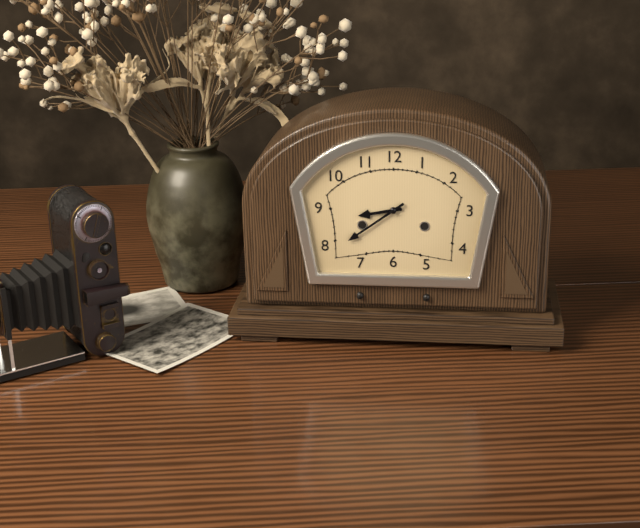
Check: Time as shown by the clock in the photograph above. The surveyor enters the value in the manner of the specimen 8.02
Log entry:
8.39
